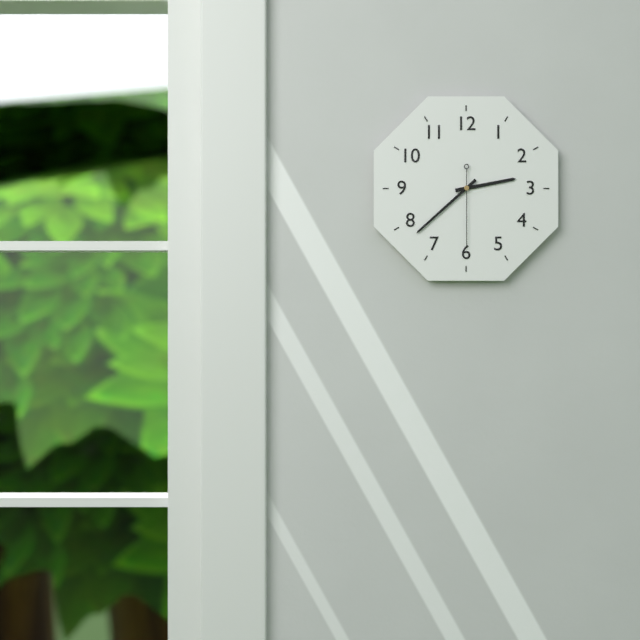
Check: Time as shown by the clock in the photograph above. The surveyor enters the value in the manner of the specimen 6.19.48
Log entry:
2.38.30
